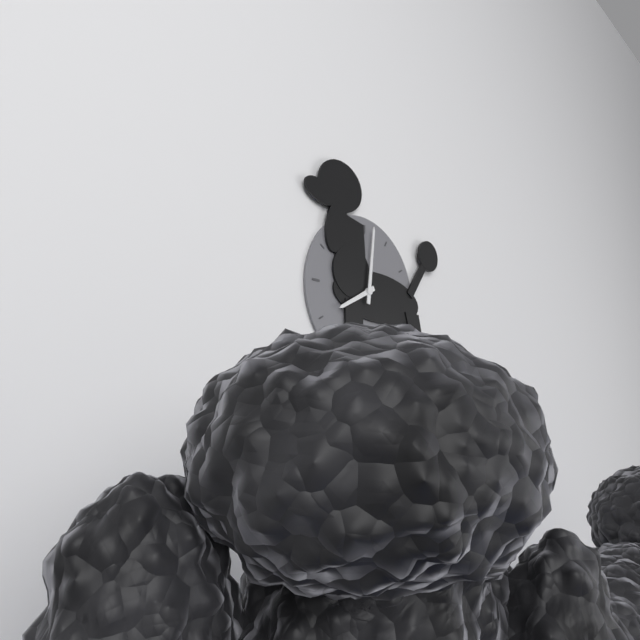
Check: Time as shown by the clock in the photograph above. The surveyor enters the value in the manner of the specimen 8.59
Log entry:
8.01
